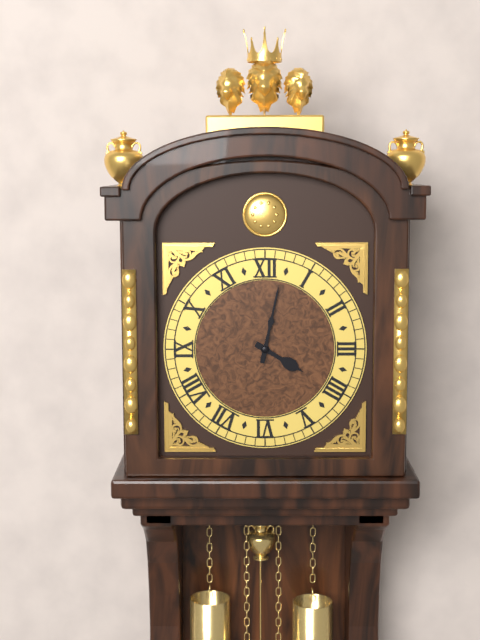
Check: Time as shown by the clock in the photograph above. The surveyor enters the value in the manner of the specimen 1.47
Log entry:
4.02
